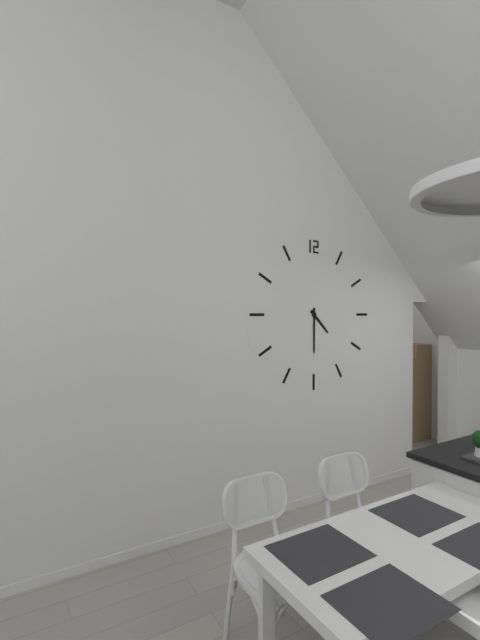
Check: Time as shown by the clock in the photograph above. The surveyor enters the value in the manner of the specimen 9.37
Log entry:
4.30
